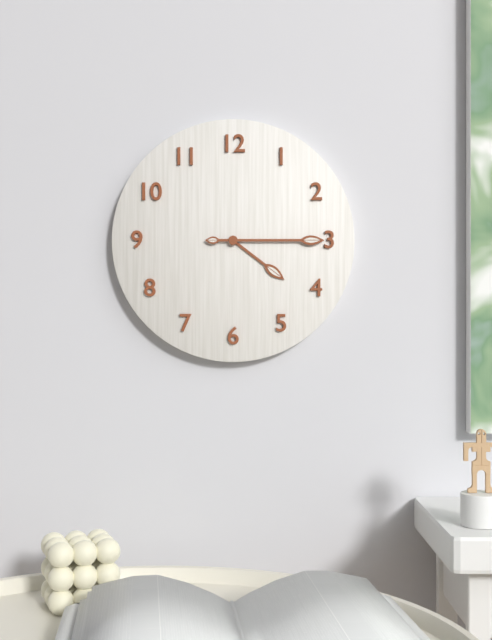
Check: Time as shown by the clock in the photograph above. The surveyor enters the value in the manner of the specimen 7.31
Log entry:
4.15
